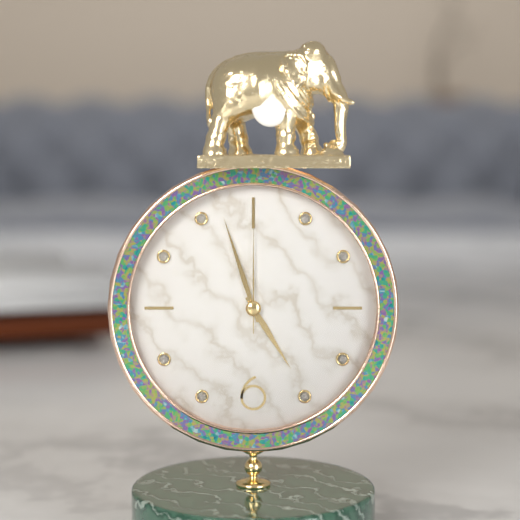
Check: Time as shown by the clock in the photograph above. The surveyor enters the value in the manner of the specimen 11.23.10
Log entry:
4.57.00
